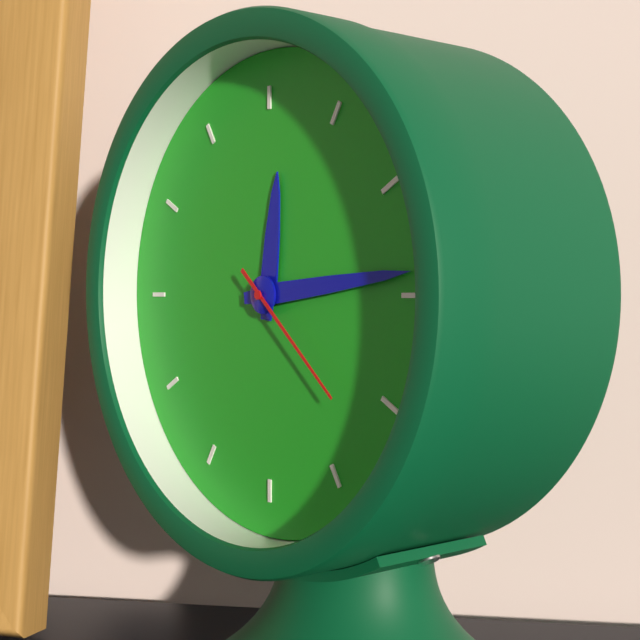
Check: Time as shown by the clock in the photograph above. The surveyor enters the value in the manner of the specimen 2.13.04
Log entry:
12.14.22
